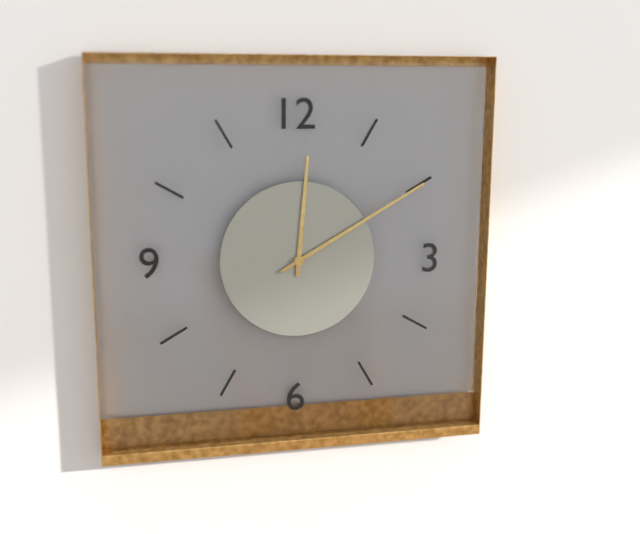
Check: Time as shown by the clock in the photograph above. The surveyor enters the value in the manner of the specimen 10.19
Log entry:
12.10
